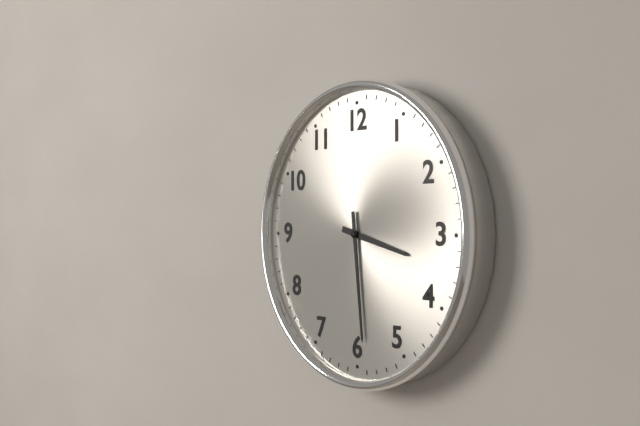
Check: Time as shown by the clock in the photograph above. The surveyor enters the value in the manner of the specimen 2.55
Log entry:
3.29
